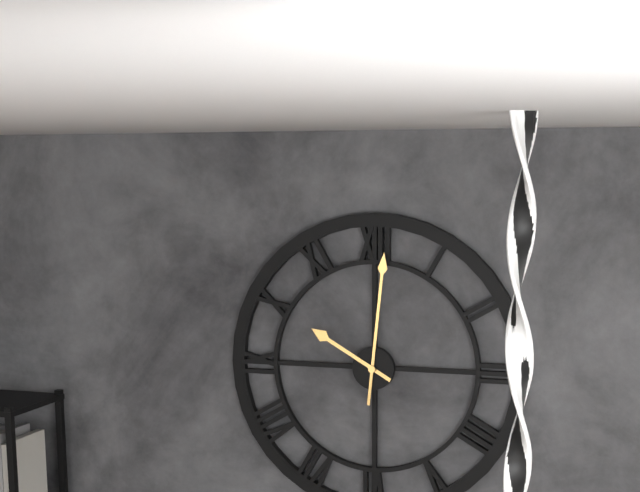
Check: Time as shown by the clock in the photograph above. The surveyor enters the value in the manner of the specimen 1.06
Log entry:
10.01
